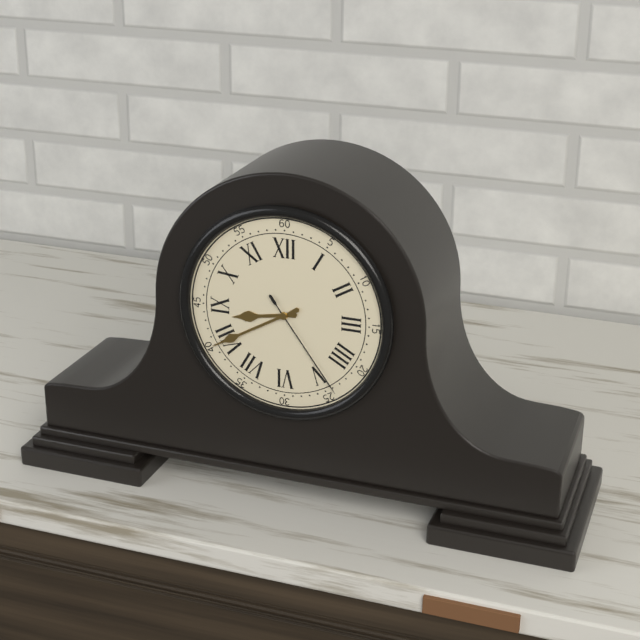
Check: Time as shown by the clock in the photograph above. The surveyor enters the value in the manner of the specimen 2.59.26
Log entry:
8.40.24
